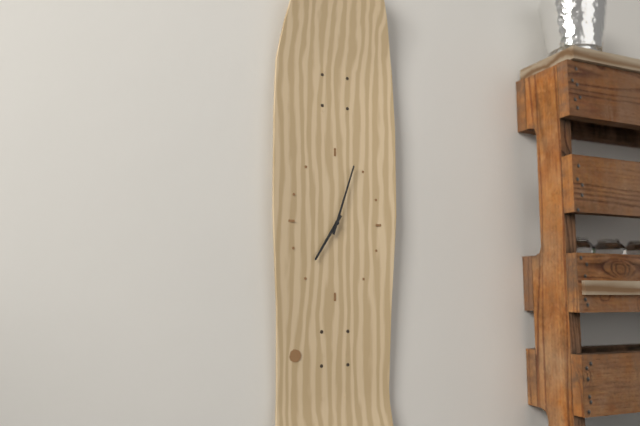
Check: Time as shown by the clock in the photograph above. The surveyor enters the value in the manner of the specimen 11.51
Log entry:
7.03
